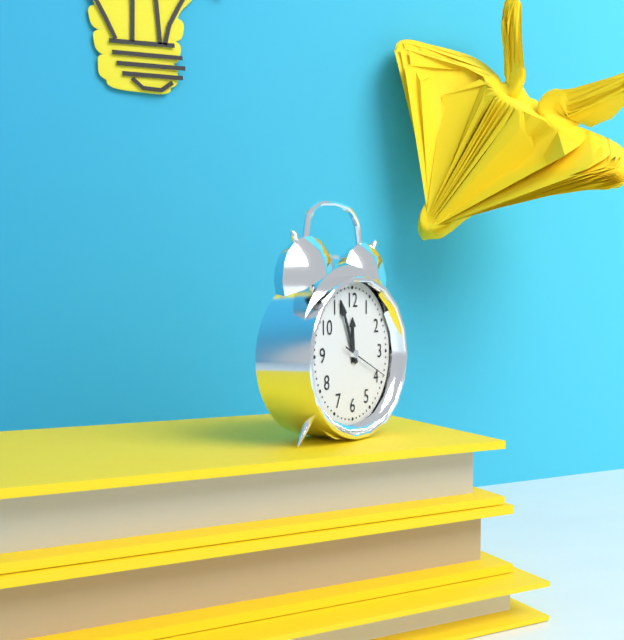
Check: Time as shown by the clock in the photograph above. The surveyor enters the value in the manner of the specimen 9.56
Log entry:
11.56
